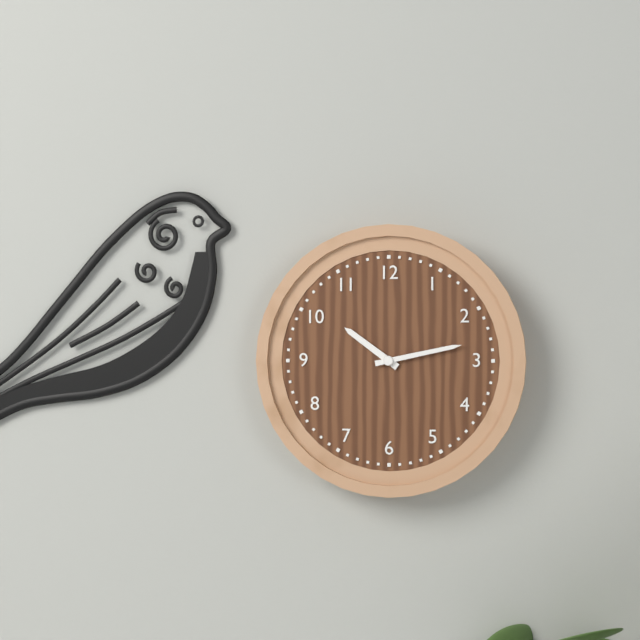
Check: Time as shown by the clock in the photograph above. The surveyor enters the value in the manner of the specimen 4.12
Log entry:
10.13
